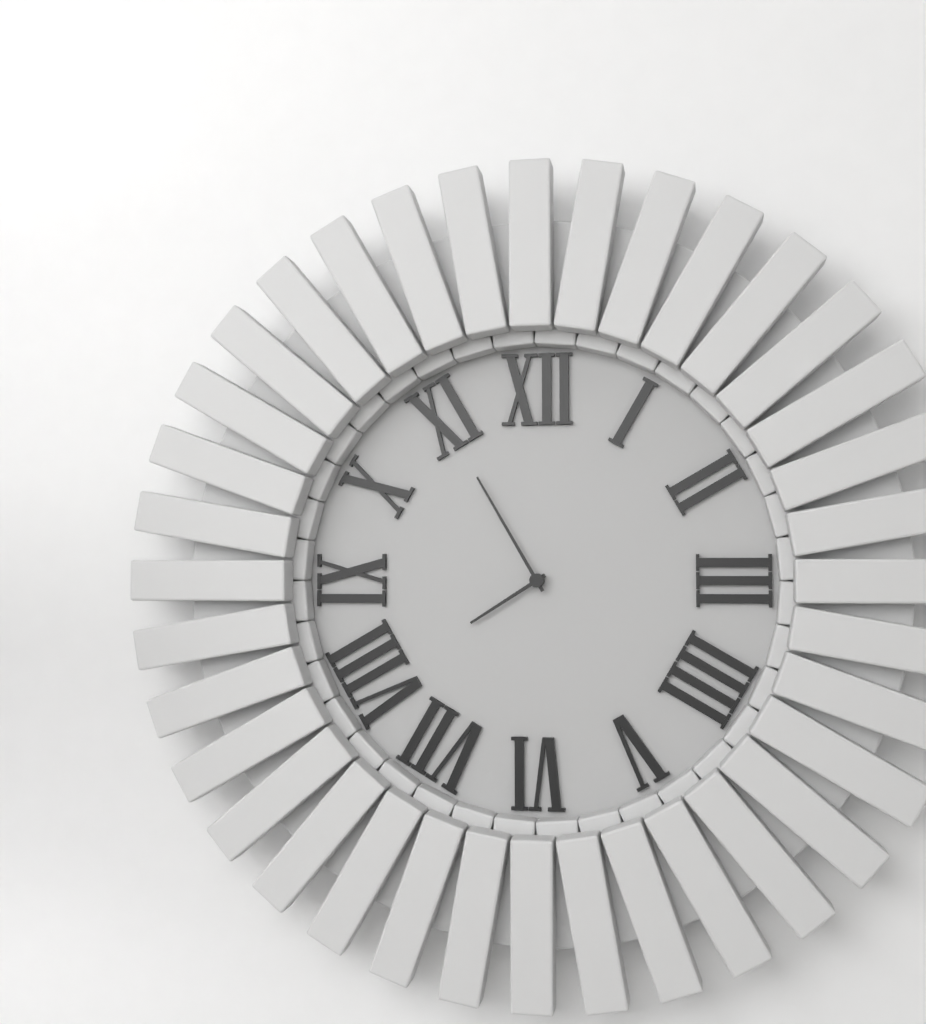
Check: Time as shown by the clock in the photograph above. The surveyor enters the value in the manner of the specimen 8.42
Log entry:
7.55
